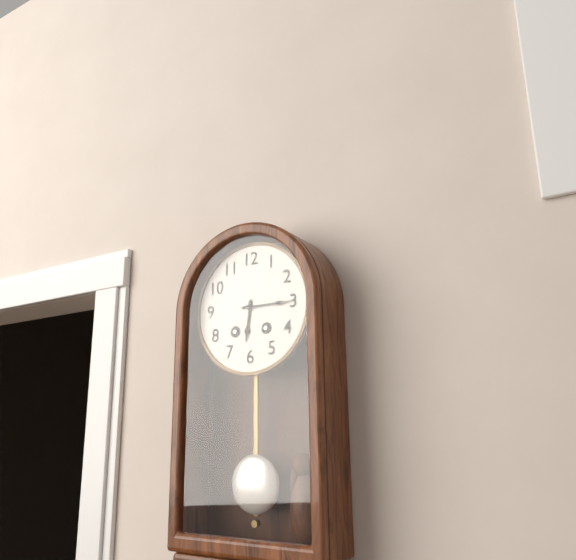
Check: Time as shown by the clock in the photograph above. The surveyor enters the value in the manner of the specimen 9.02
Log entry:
6.15
